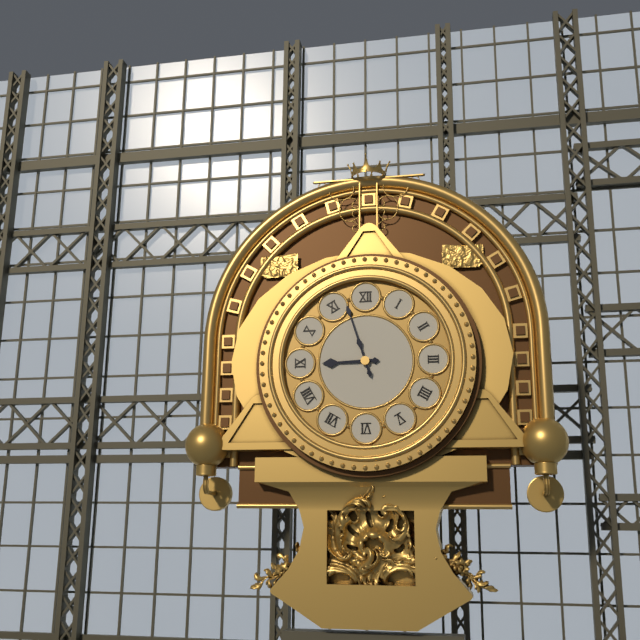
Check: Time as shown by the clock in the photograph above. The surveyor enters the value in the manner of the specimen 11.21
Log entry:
8.57
